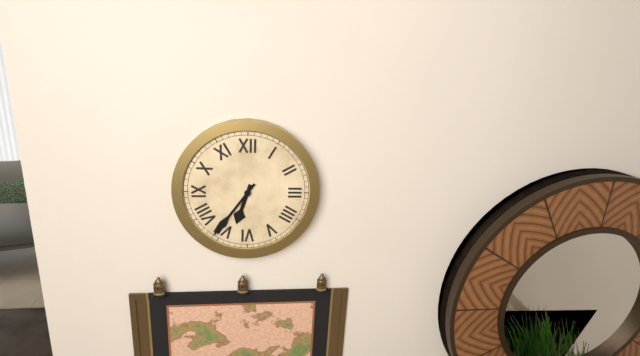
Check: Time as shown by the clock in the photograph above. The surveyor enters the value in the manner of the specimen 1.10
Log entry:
6.36
